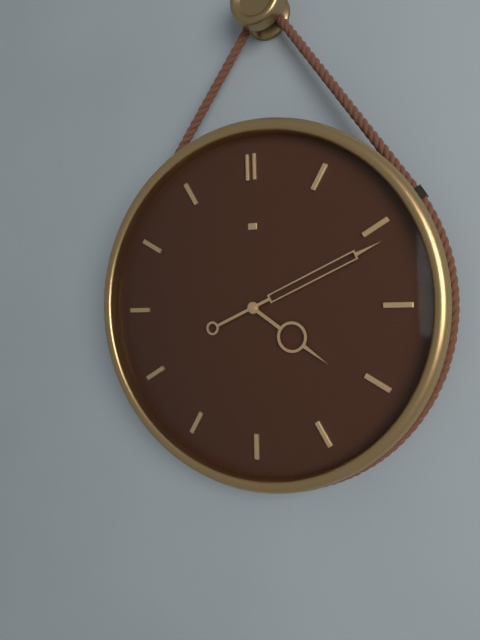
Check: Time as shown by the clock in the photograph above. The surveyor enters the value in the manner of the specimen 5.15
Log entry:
4.11
